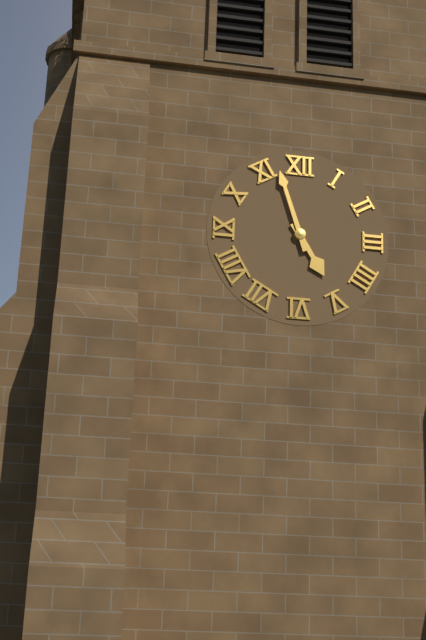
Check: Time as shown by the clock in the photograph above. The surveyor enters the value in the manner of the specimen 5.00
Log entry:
4.57
